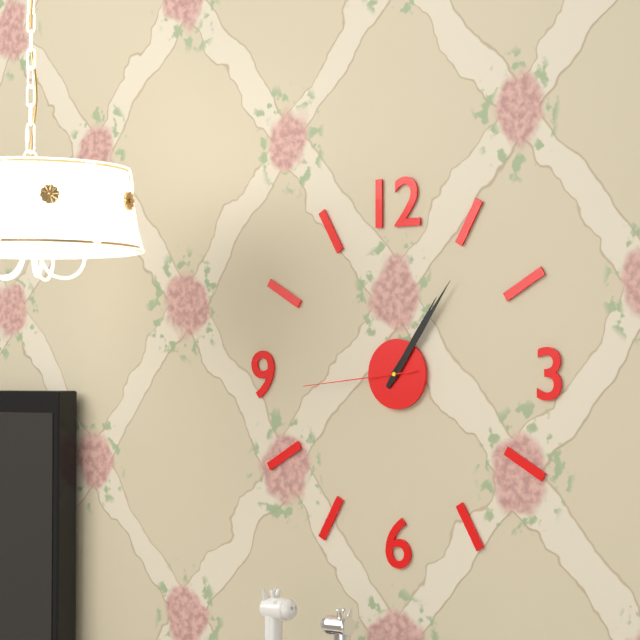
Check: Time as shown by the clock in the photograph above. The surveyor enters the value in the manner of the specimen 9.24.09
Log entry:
1.06.44
